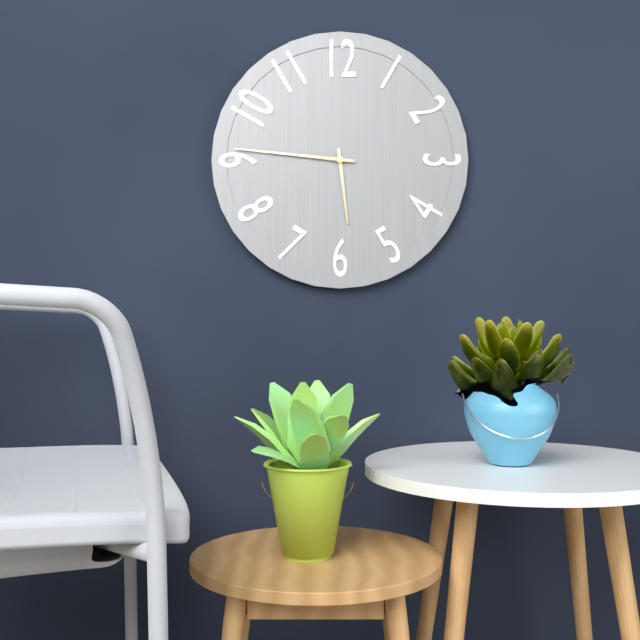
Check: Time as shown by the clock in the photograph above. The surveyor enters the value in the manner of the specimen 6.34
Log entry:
5.46
